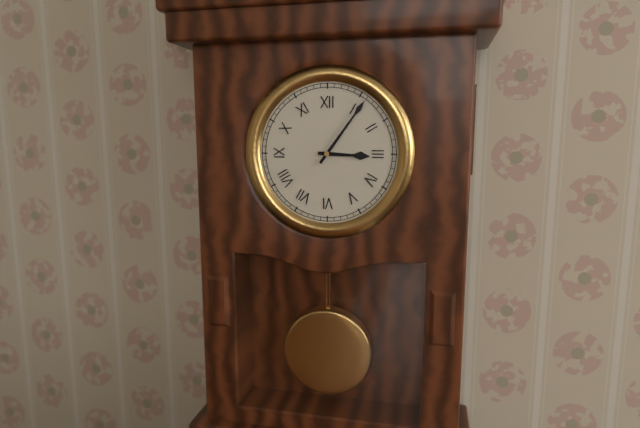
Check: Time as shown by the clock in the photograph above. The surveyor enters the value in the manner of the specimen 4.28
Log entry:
3.06
